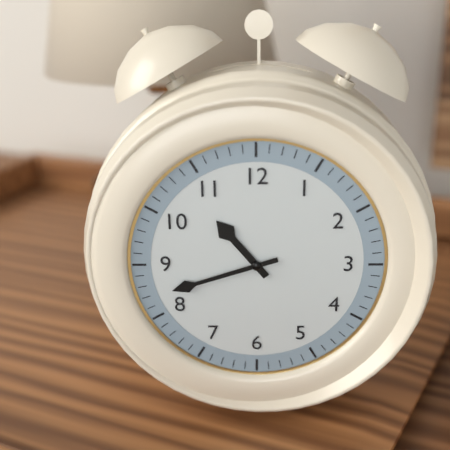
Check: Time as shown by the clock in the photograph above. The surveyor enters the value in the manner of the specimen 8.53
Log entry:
10.42
